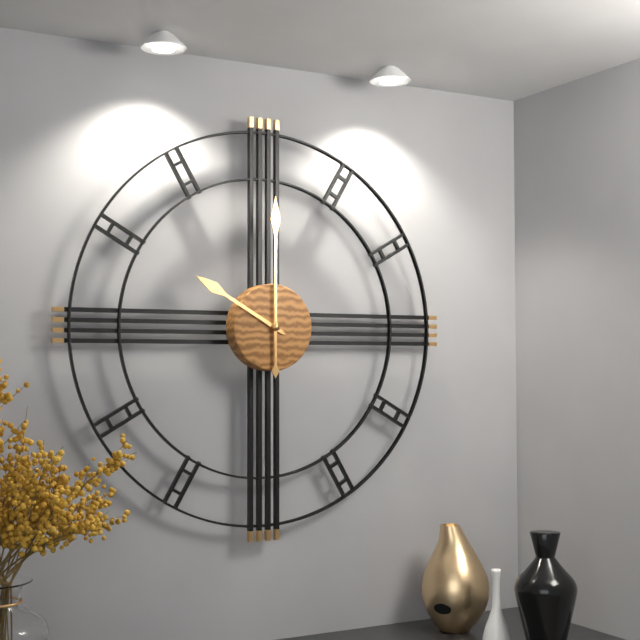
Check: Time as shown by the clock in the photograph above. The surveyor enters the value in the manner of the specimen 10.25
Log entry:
10.00
